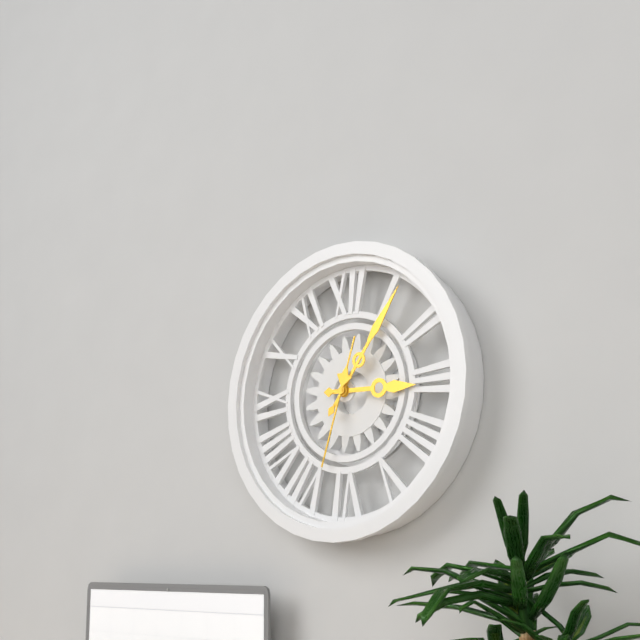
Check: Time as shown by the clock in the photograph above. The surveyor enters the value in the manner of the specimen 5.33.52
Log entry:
3.06.33
